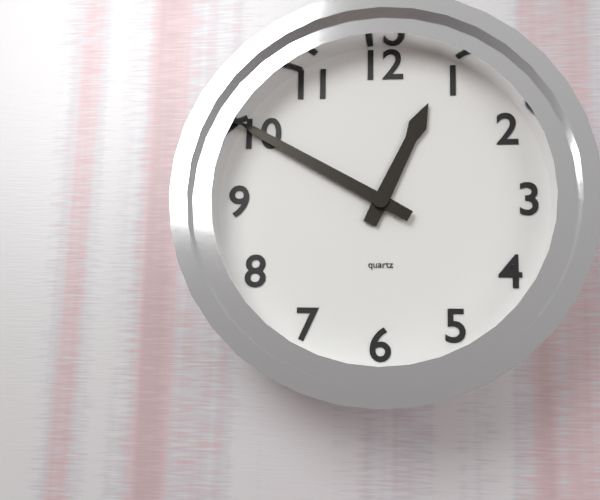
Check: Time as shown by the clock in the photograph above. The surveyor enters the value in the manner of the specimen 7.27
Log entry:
12.50
